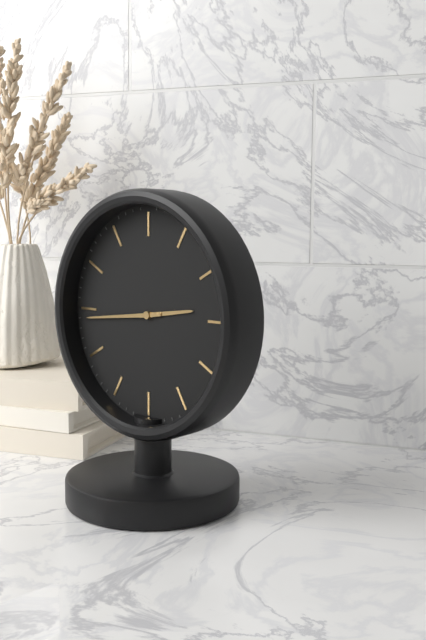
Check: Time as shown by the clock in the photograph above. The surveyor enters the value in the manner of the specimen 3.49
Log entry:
2.44
